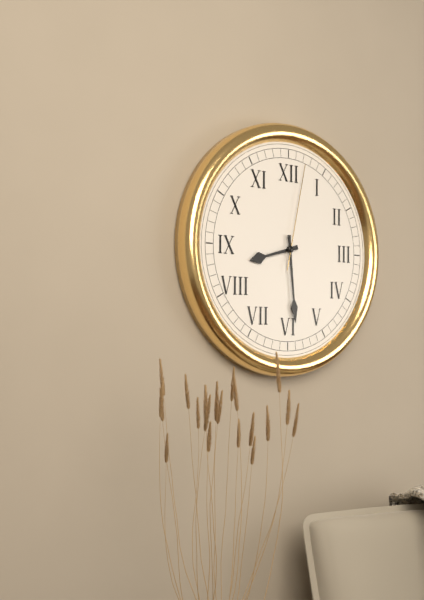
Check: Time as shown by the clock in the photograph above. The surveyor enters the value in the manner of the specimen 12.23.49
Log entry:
8.29.02
